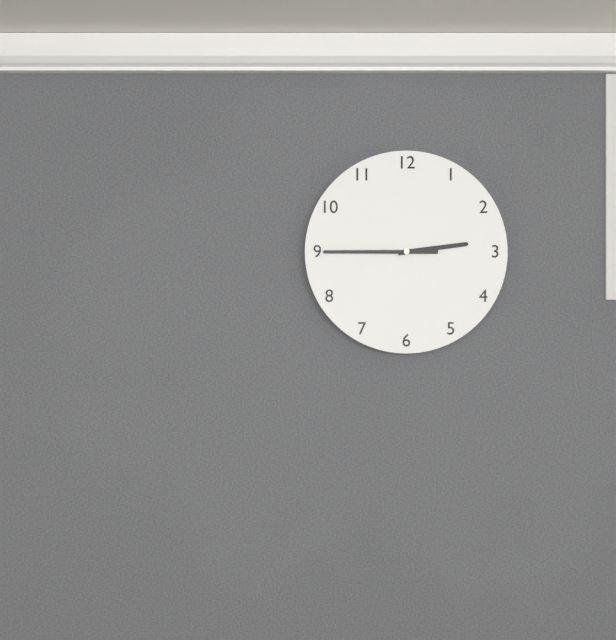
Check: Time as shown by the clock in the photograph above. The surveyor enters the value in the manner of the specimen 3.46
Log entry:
2.45
